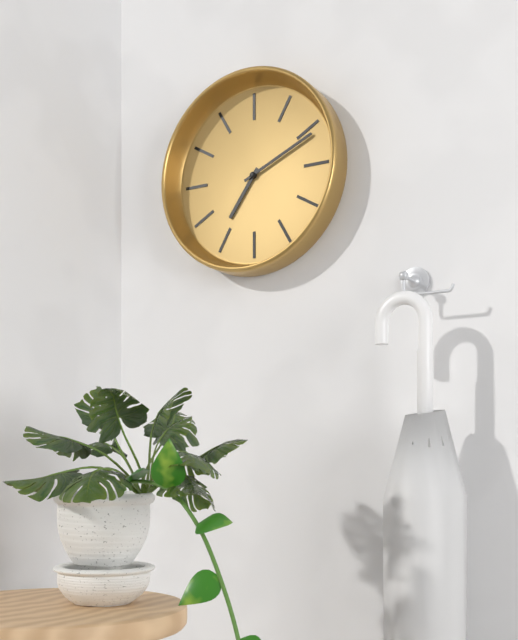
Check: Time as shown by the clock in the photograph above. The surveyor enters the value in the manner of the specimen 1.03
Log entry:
7.11
